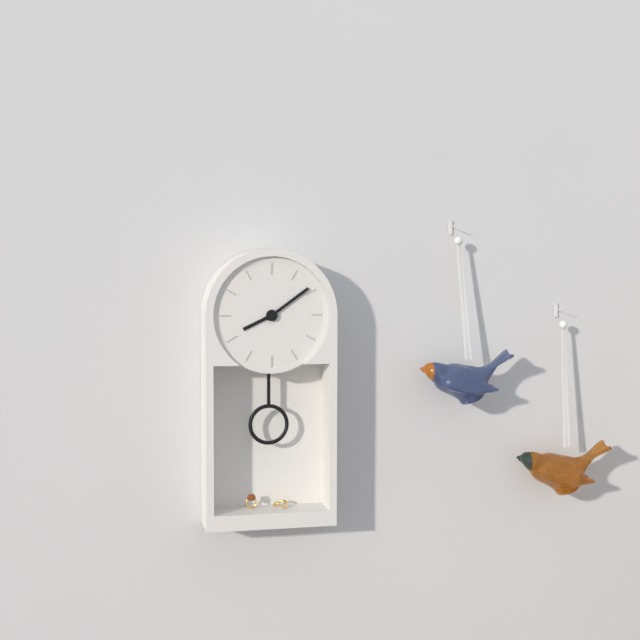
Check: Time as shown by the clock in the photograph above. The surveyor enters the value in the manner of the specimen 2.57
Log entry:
8.09
